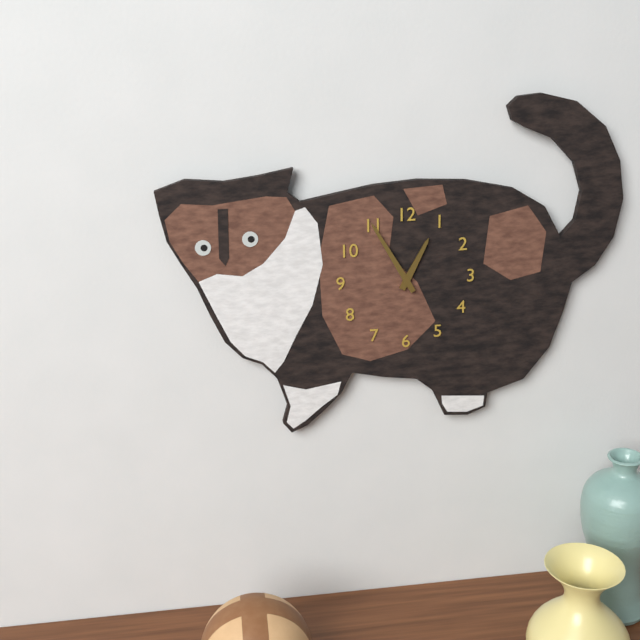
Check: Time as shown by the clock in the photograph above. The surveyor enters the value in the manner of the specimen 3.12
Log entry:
12.55
